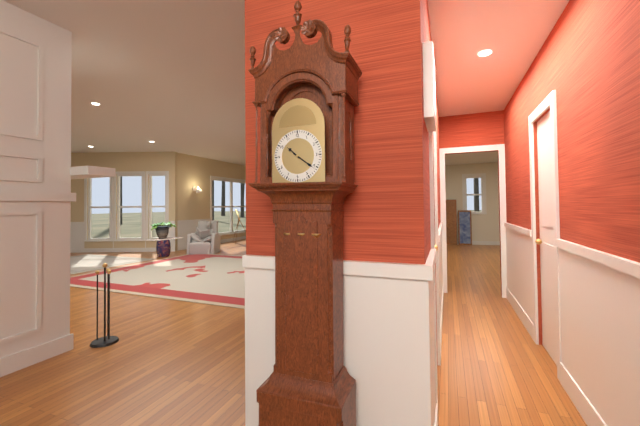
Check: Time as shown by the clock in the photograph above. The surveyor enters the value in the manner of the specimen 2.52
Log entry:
10.21
